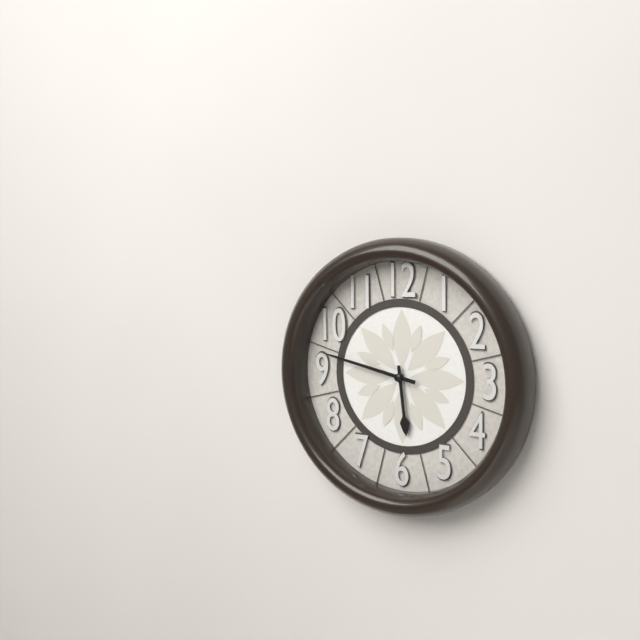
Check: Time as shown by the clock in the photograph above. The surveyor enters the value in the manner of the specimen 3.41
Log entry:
5.47
